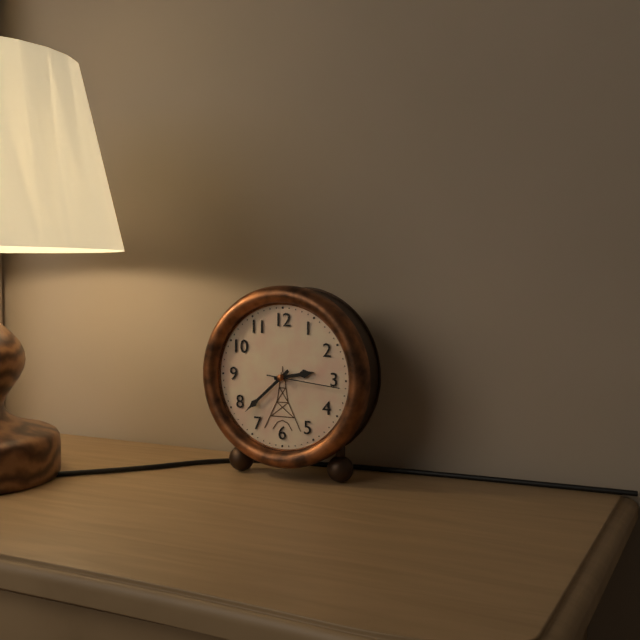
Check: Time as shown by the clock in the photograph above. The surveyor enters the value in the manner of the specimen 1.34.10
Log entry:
2.38.16
